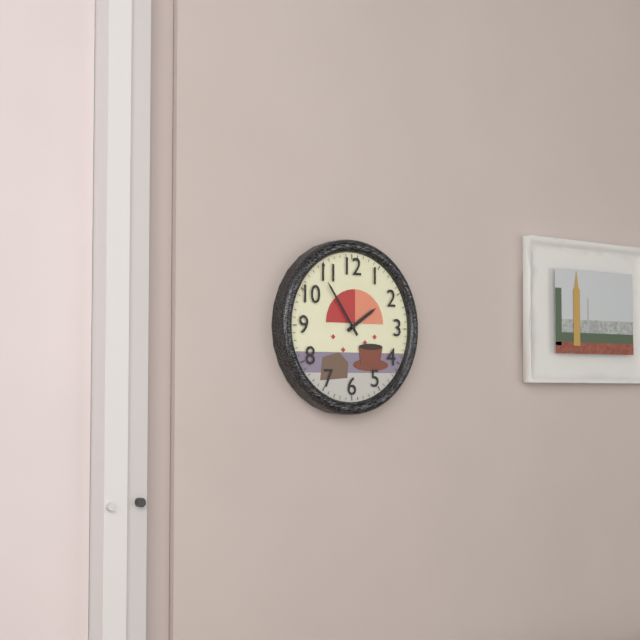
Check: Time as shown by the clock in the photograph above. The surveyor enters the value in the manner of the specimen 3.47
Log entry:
1.54
